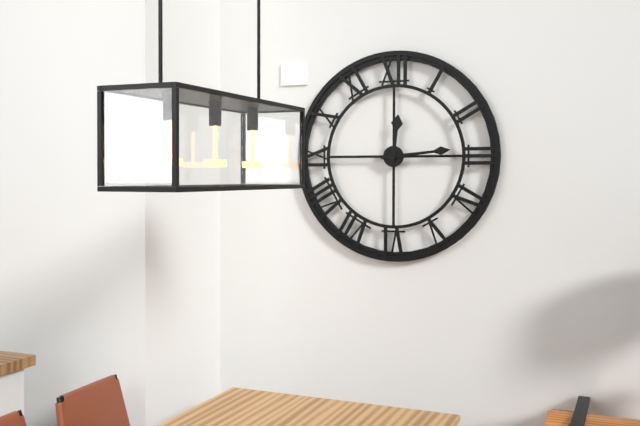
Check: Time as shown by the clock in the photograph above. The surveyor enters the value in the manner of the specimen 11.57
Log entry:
12.14
